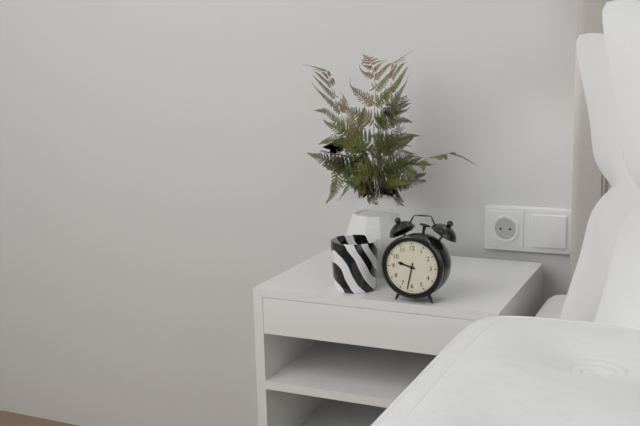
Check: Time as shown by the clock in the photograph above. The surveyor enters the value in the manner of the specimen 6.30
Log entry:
9.32
